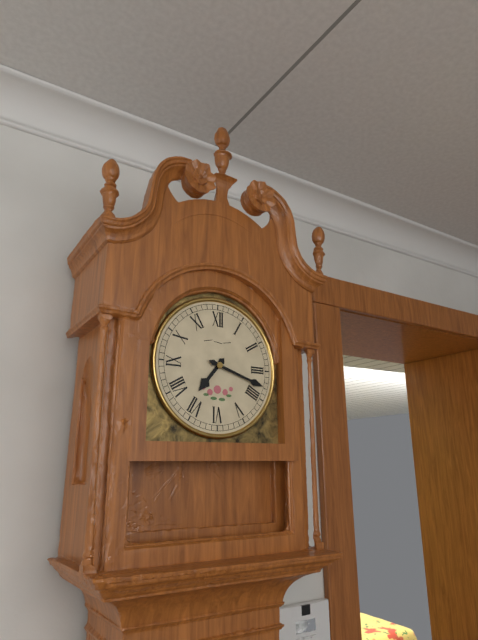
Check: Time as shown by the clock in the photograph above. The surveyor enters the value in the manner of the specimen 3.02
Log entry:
7.18
